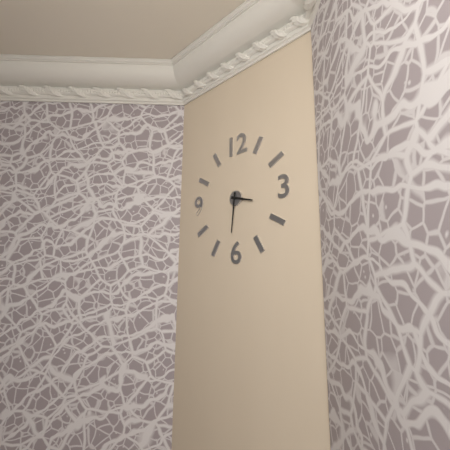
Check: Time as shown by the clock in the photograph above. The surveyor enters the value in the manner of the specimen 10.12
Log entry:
3.31
